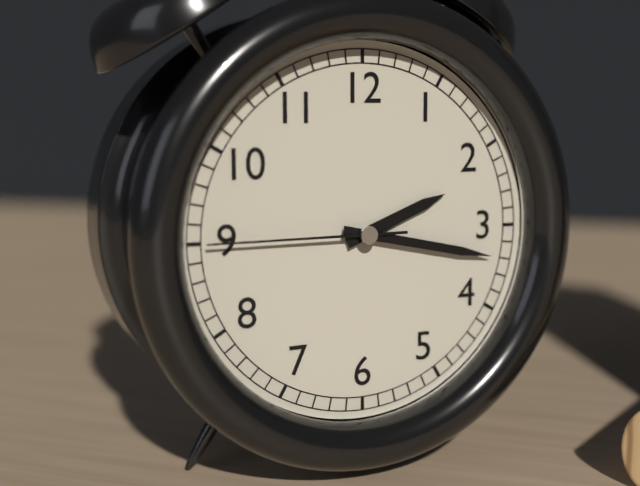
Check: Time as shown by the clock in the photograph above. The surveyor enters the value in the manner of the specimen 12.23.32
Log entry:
2.17.45
